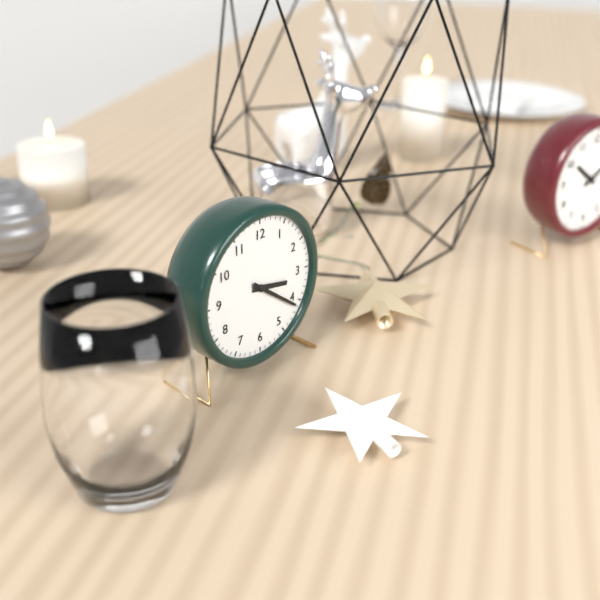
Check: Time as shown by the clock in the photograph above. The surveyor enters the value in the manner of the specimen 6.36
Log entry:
3.21
